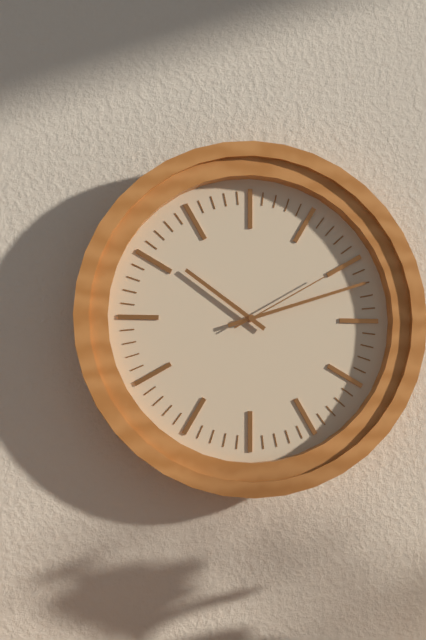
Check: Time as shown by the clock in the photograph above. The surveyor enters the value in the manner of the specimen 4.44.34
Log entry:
10.12.10
